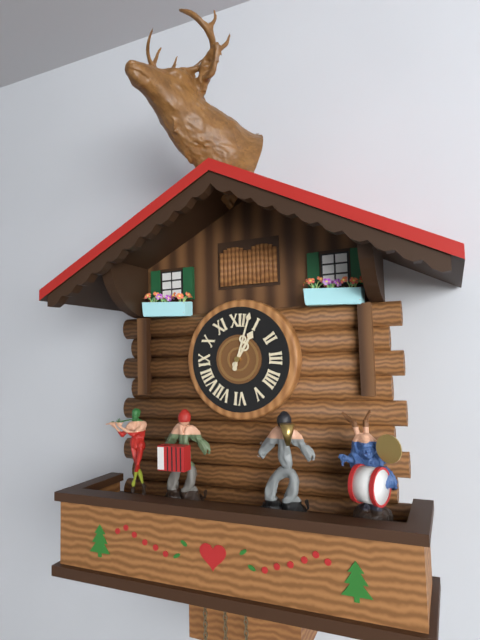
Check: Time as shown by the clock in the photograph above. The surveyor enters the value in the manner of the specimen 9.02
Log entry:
1.03
